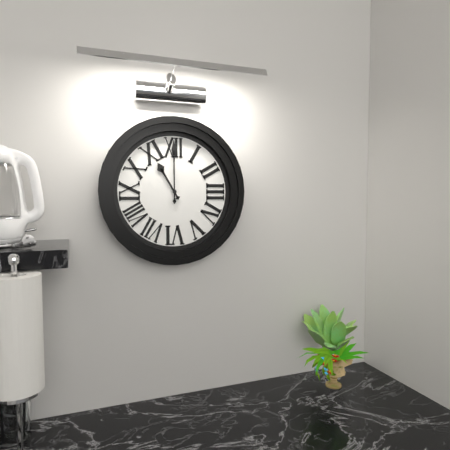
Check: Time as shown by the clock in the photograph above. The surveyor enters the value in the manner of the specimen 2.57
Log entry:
11.00
